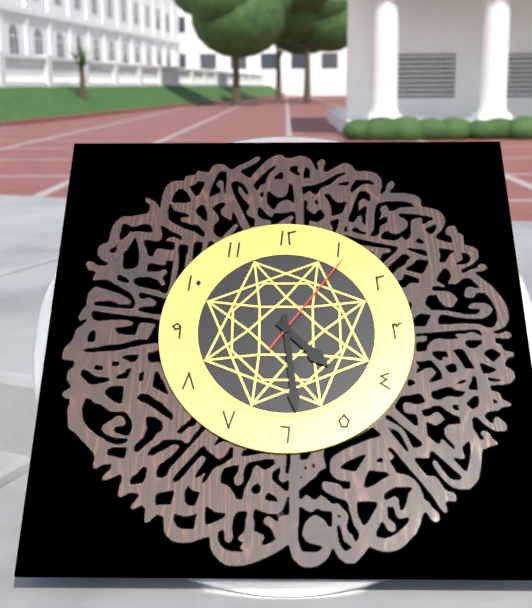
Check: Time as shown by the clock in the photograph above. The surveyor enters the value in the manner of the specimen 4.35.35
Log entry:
4.29.06
